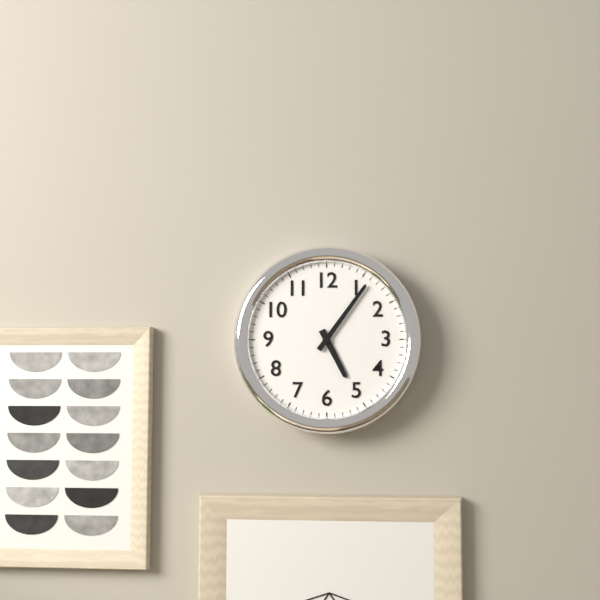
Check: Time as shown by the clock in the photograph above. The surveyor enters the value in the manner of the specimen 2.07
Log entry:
5.06
